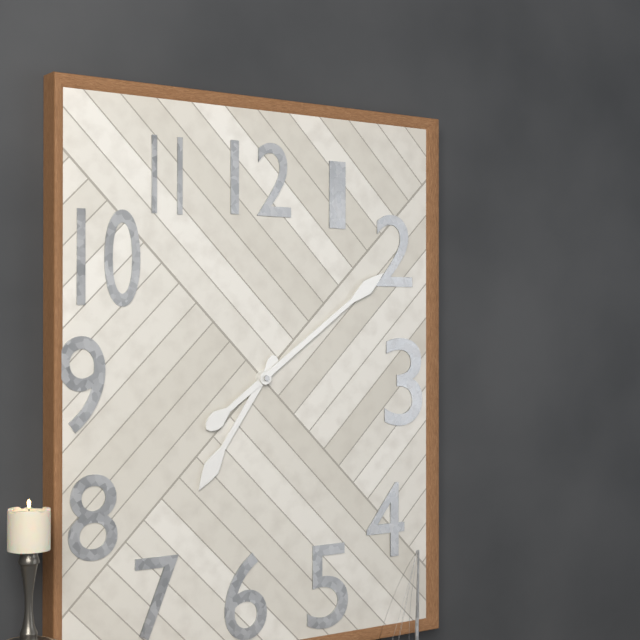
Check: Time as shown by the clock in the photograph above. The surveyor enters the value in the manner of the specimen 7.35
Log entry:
7.09
